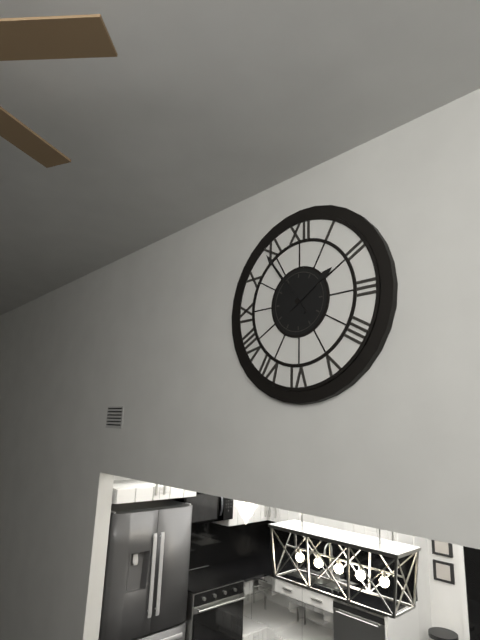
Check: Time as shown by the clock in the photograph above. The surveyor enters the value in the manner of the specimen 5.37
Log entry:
1.54
